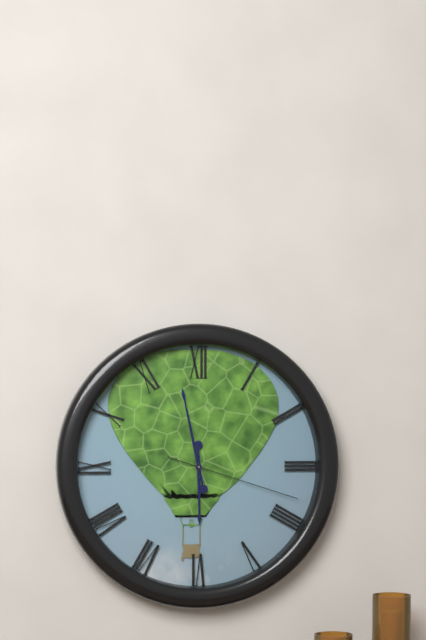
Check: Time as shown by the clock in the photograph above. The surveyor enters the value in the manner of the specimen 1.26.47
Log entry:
5.58.18
